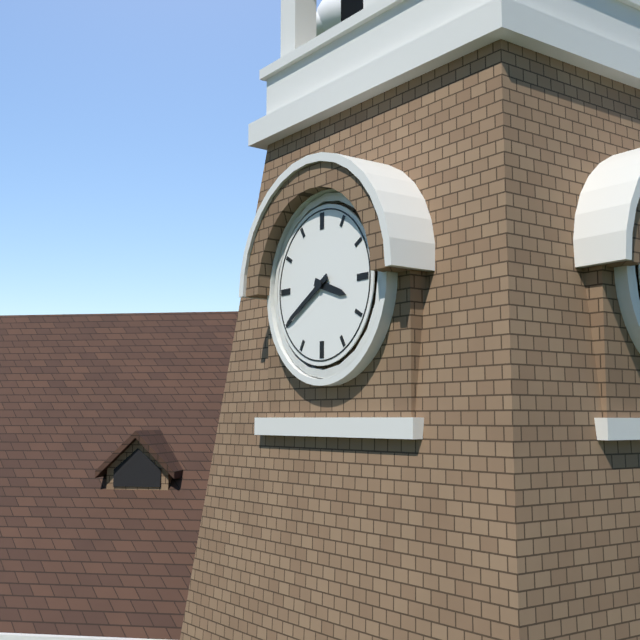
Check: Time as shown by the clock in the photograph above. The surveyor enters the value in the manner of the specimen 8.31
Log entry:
3.40
